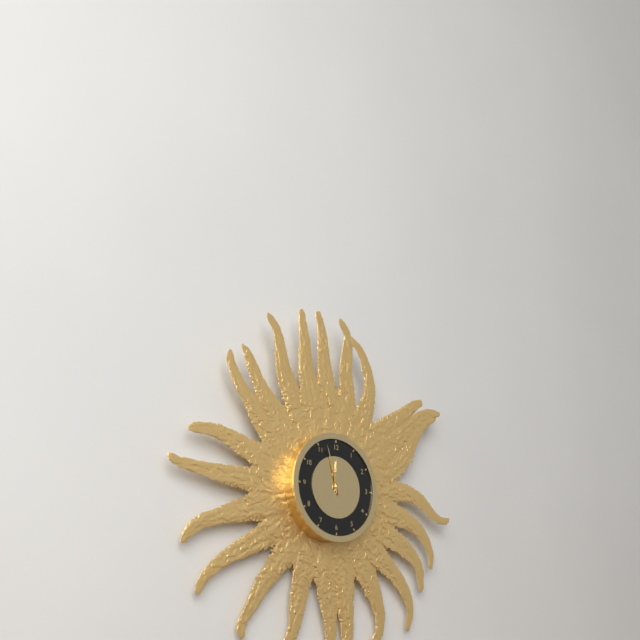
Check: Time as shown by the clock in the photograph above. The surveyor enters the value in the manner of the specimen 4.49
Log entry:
11.57
